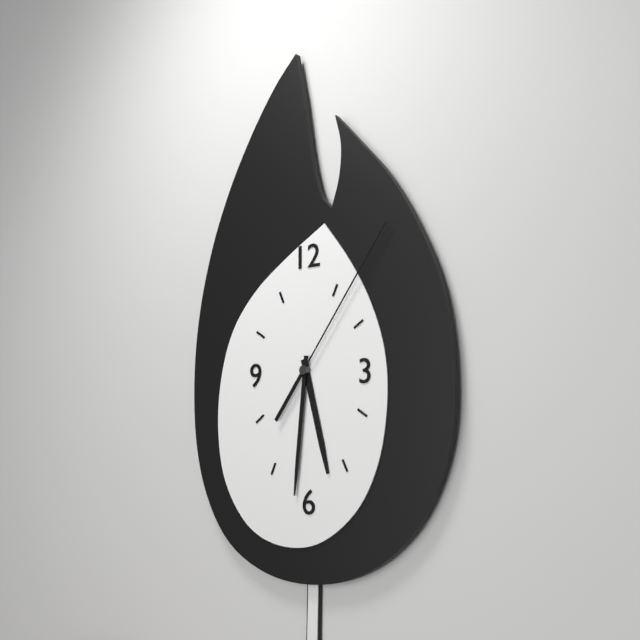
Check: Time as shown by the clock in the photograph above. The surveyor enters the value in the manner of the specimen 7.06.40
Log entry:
5.31.06
